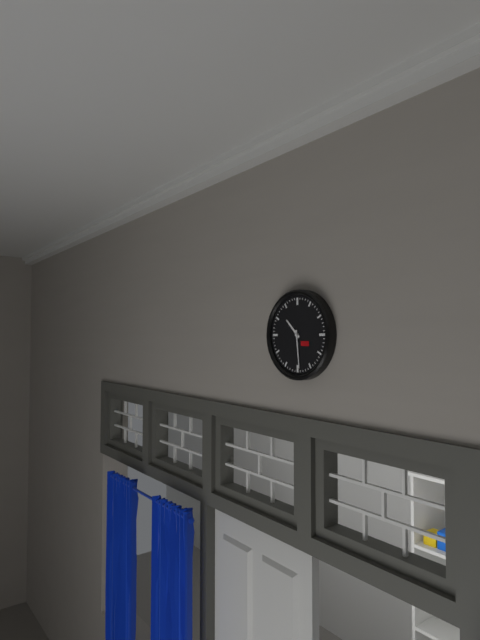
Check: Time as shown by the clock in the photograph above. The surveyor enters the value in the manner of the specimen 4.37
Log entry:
10.29
